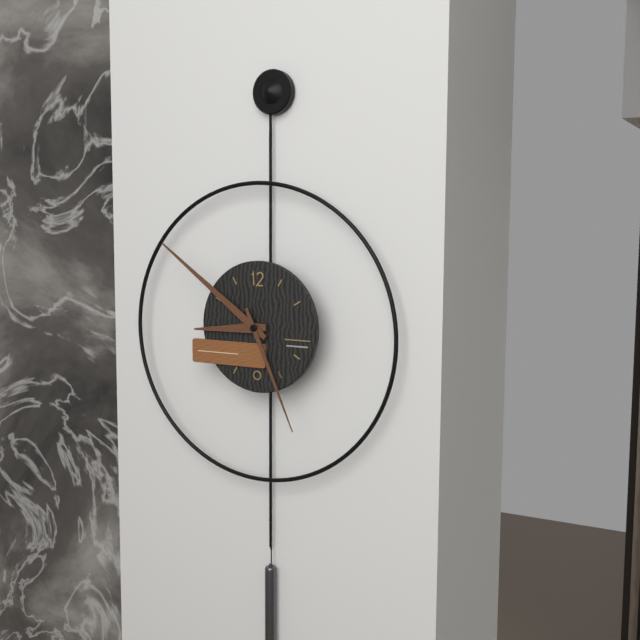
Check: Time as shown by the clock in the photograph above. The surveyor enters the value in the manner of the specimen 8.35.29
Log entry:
8.51.26
